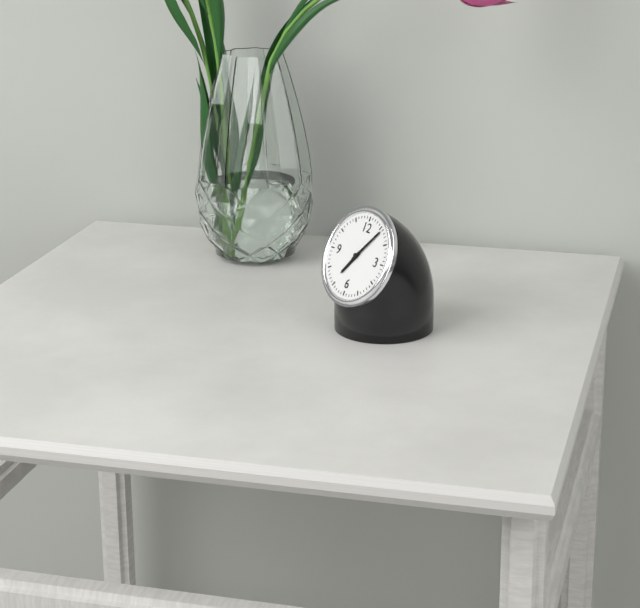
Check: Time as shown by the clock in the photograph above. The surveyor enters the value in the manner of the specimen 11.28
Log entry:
7.06
